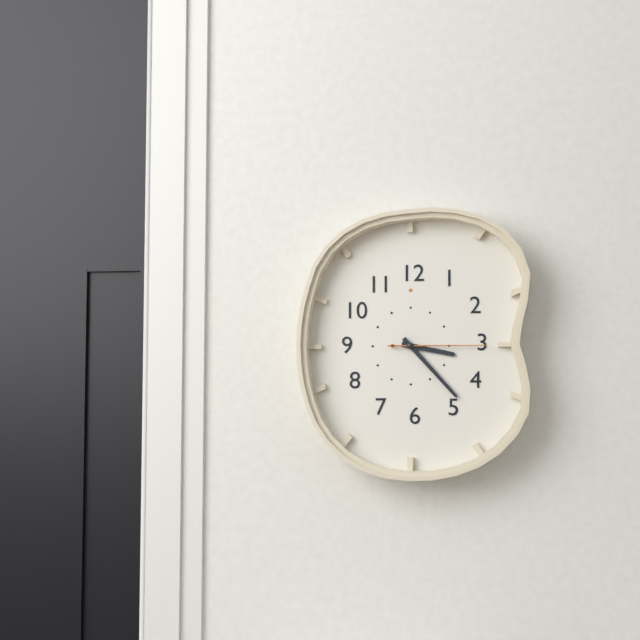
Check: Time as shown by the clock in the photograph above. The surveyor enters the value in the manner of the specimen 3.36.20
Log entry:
3.23.15
